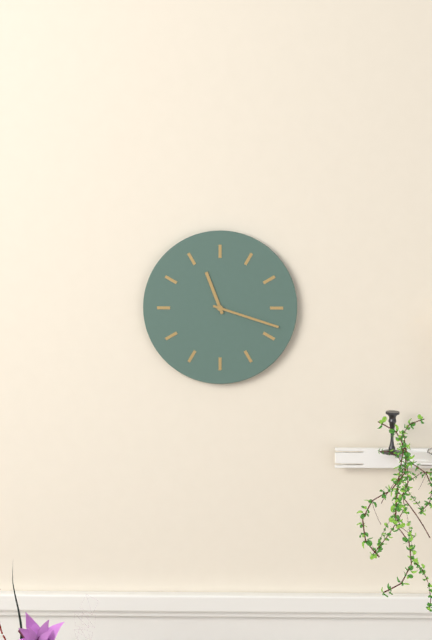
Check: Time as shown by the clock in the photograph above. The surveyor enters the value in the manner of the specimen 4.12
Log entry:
11.18
